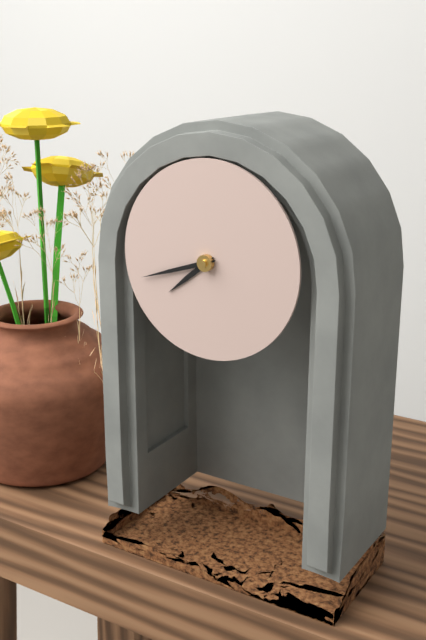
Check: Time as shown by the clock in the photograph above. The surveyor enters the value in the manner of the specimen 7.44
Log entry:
7.42
